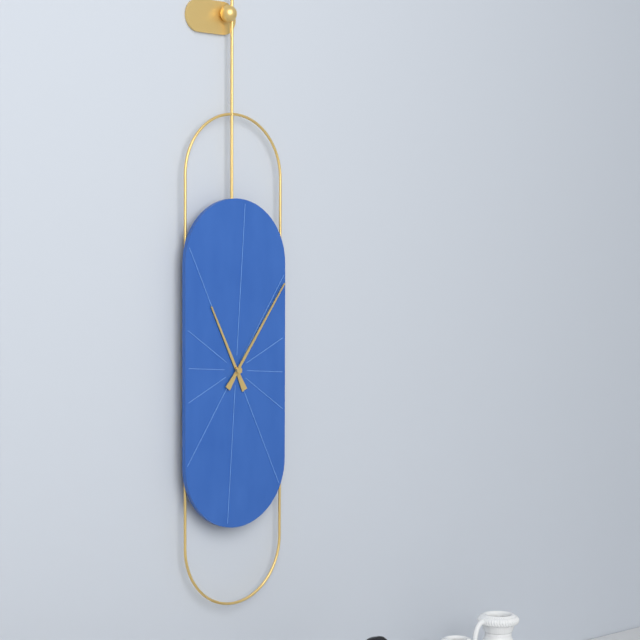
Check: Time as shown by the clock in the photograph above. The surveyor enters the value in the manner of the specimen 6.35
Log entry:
11.06
